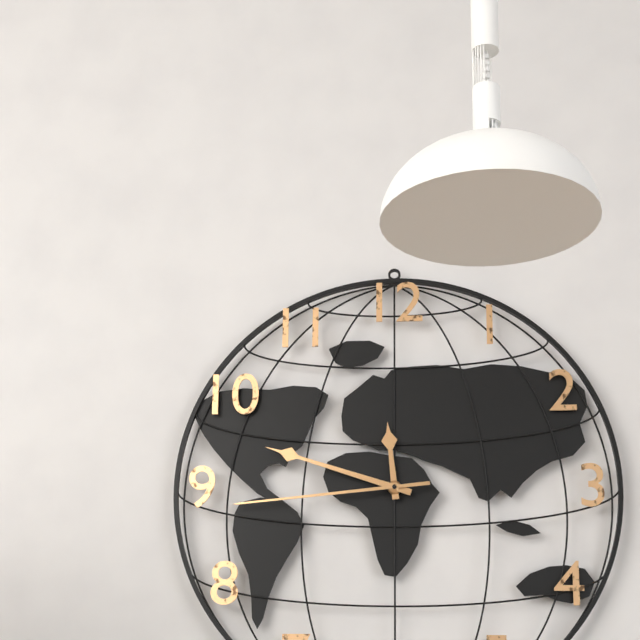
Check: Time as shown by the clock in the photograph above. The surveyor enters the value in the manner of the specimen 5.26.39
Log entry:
11.48.44
